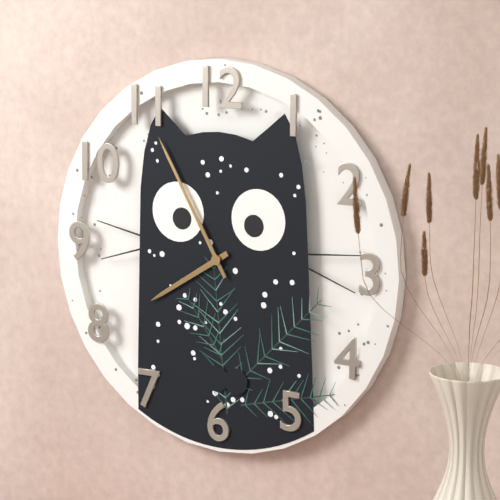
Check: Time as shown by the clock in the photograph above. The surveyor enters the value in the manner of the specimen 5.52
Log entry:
7.55
